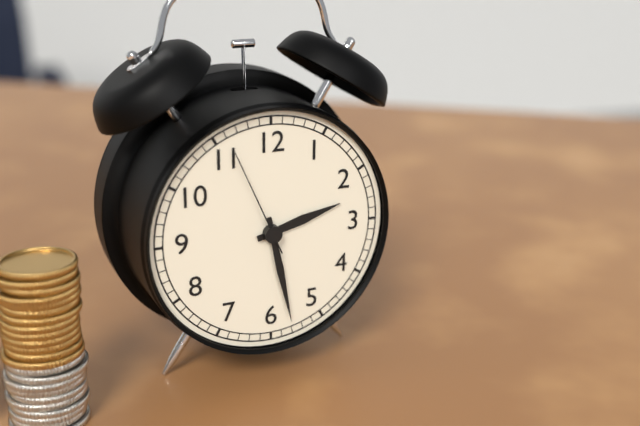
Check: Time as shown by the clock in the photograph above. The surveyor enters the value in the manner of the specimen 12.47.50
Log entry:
2.28.56
